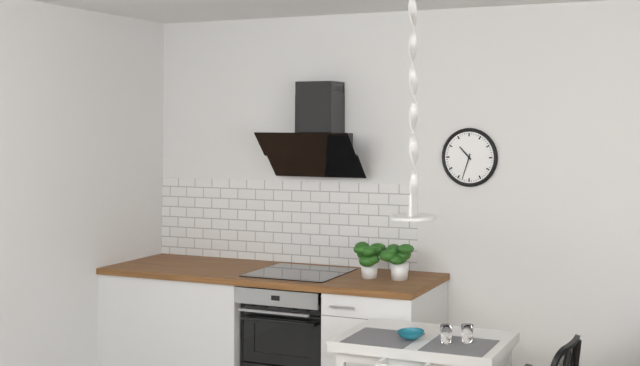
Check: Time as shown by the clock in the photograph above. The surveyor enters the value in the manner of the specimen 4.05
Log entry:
10.33
